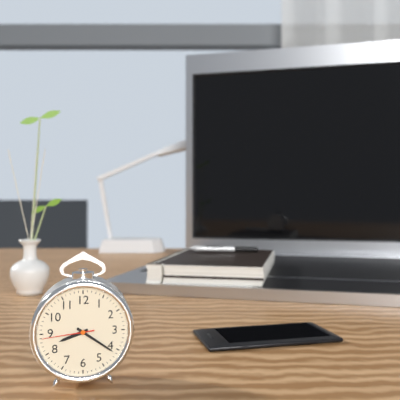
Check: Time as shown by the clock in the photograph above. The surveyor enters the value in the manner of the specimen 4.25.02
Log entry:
8.21.44
